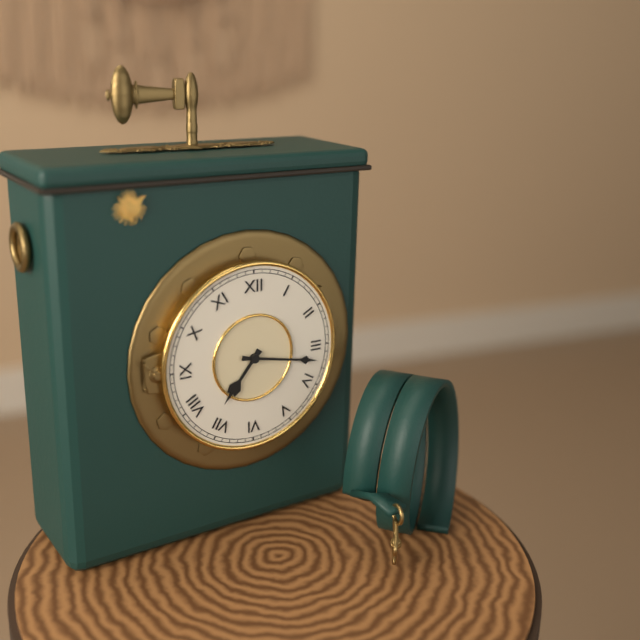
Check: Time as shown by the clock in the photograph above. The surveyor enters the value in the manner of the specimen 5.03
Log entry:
7.17
